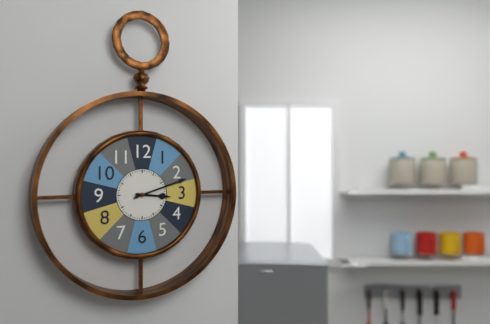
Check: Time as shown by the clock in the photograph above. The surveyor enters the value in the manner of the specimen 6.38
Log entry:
3.12
